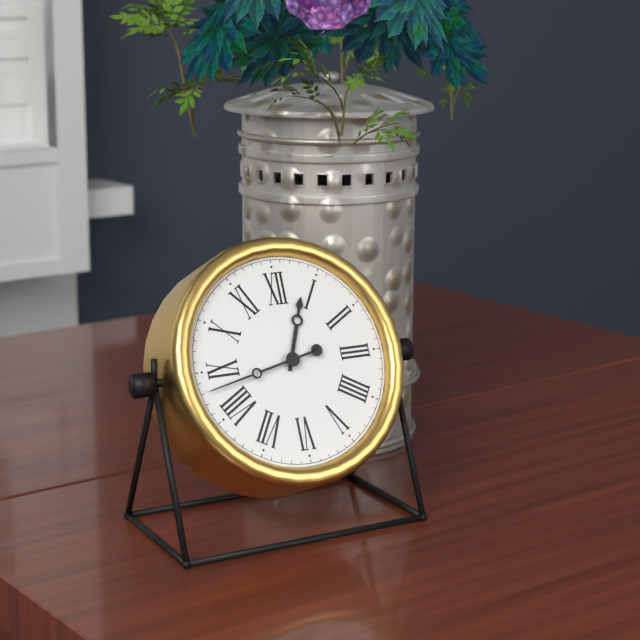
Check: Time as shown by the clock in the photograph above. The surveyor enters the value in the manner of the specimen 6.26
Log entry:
12.43
